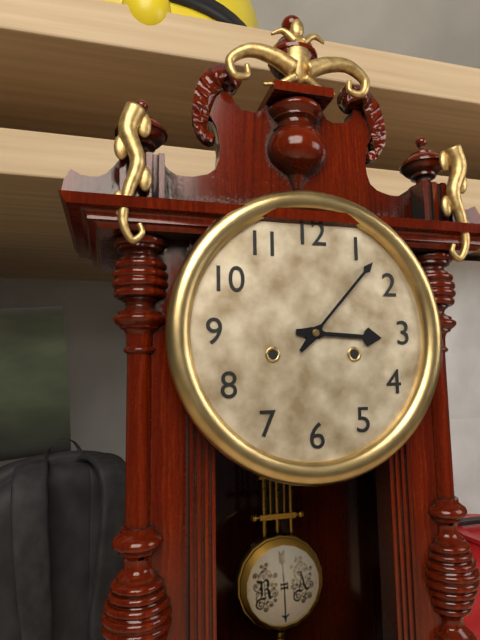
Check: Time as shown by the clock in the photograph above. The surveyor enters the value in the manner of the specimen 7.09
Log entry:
3.07
